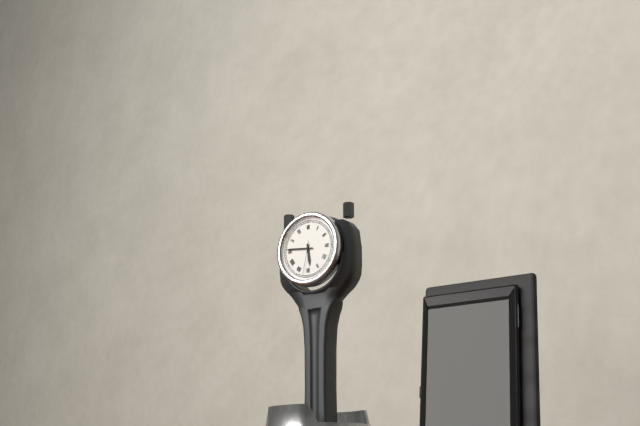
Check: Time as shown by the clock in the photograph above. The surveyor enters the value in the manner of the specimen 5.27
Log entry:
5.46
